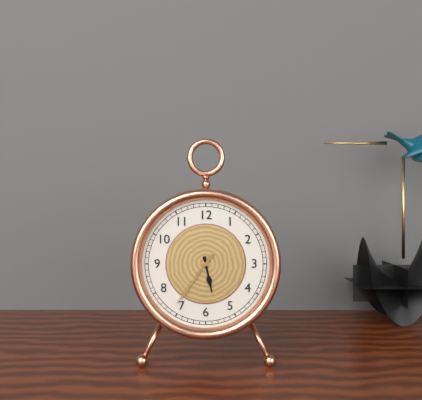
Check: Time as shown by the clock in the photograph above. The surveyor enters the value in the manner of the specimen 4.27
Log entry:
5.36
